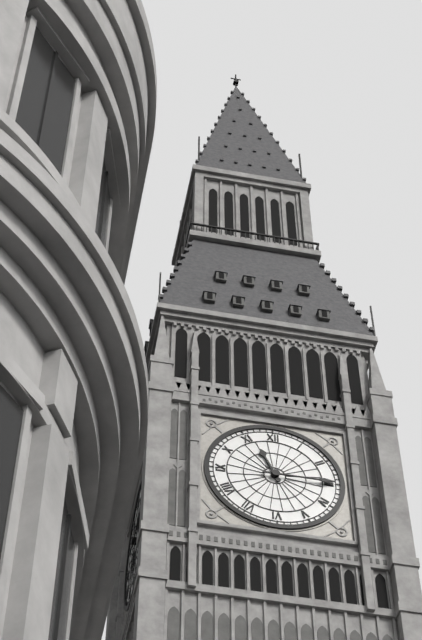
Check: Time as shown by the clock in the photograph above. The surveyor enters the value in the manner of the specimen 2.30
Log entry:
11.15
